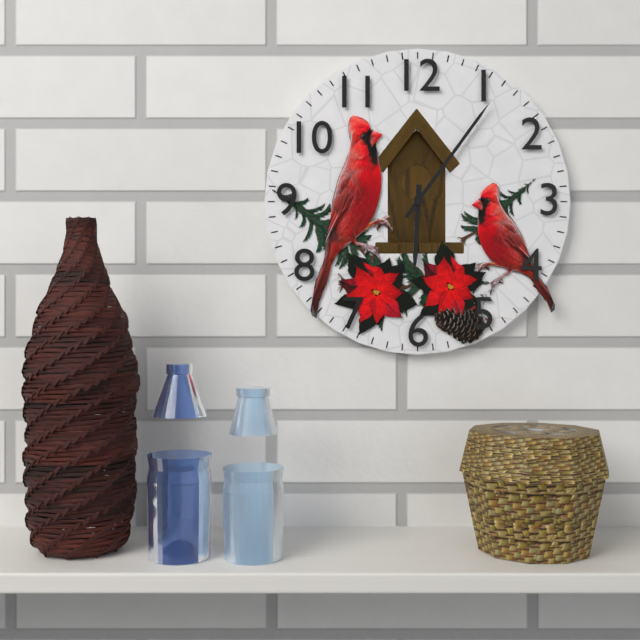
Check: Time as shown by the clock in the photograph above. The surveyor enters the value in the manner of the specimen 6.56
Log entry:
6.06
